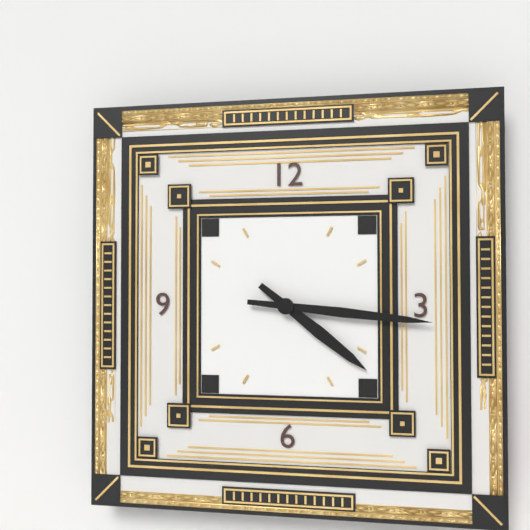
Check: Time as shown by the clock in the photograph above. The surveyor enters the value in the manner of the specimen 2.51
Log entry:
4.16
